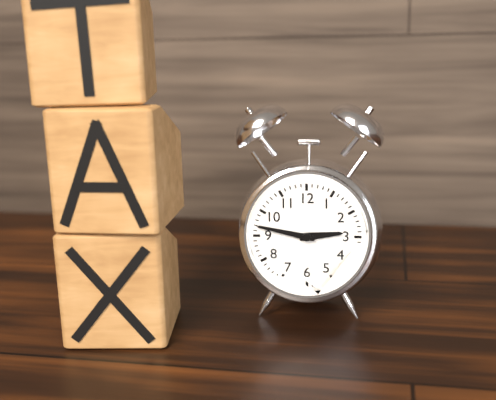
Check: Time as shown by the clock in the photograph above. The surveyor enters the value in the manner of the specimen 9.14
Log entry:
2.47
